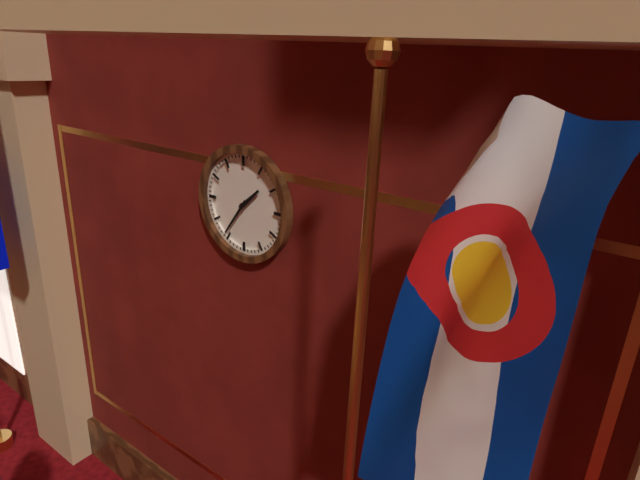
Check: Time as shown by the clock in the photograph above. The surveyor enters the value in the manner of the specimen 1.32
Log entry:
1.36
